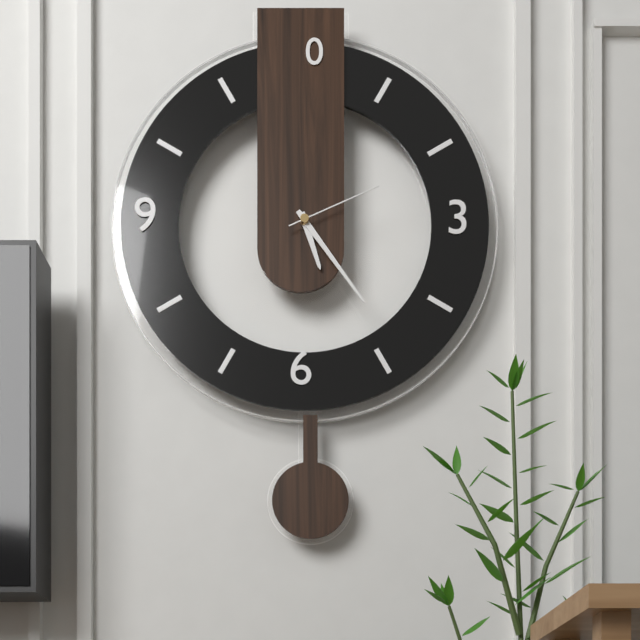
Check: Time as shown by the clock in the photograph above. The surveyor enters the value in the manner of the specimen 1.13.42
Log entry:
5.24.11
